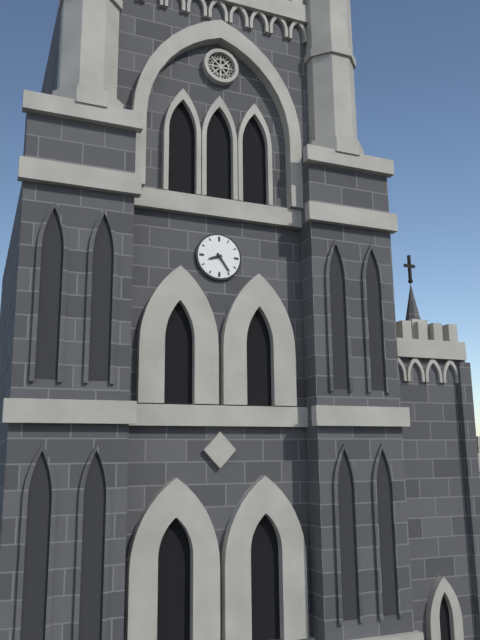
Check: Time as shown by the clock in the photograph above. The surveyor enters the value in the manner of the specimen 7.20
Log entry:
8.24
